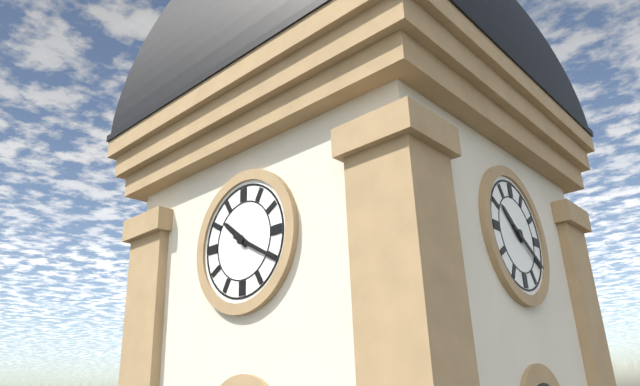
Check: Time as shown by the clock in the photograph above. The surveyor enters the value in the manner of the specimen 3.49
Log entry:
10.20
